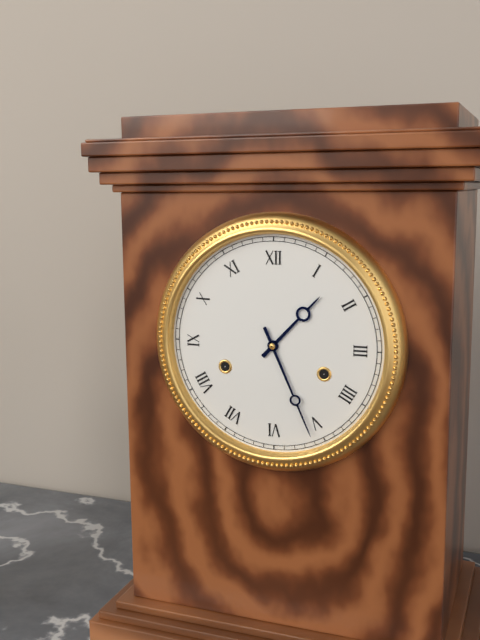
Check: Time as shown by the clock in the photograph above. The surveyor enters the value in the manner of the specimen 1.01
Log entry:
1.26
